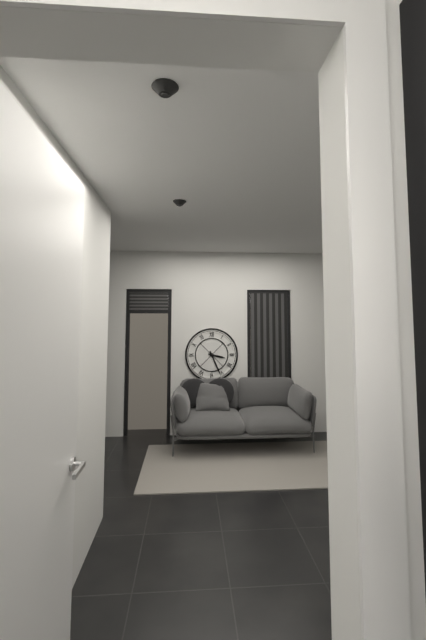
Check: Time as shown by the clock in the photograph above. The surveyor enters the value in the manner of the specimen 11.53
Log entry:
3.26
